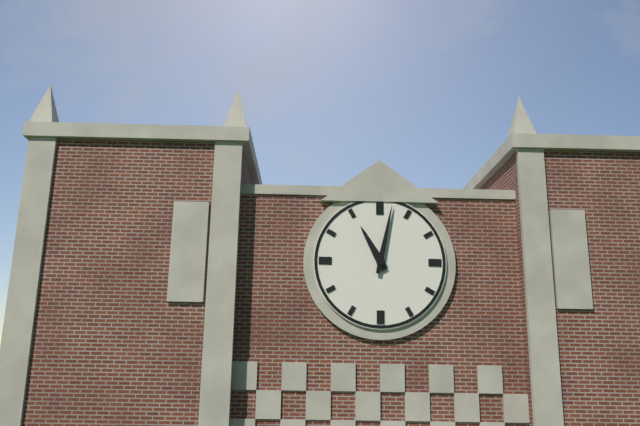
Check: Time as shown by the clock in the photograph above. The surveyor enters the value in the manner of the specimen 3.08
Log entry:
11.02
